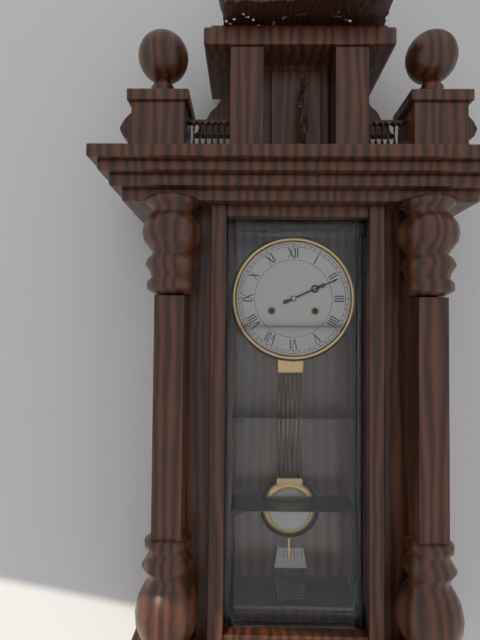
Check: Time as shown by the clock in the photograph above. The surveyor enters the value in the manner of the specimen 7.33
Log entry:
2.11
